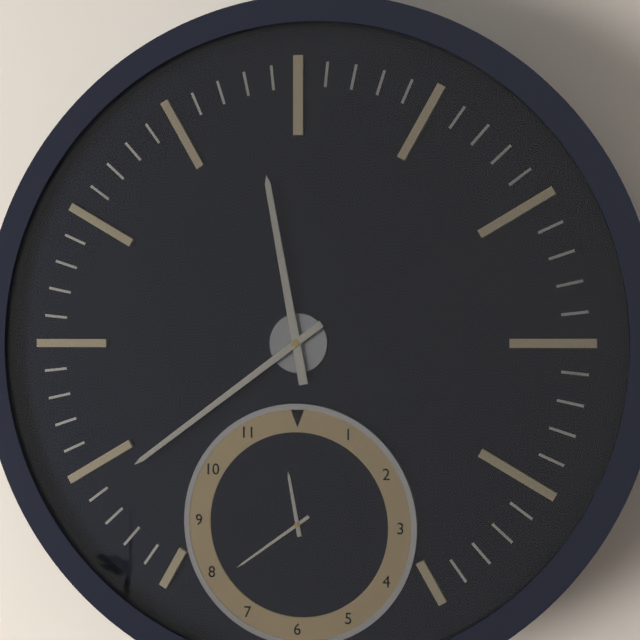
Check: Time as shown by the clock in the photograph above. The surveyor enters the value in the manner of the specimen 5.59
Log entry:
11.39
